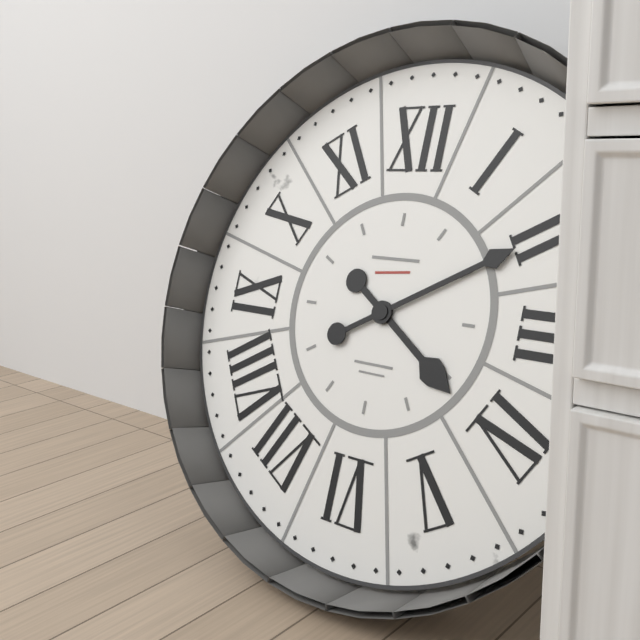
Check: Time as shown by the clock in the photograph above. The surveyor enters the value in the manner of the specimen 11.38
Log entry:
4.10
